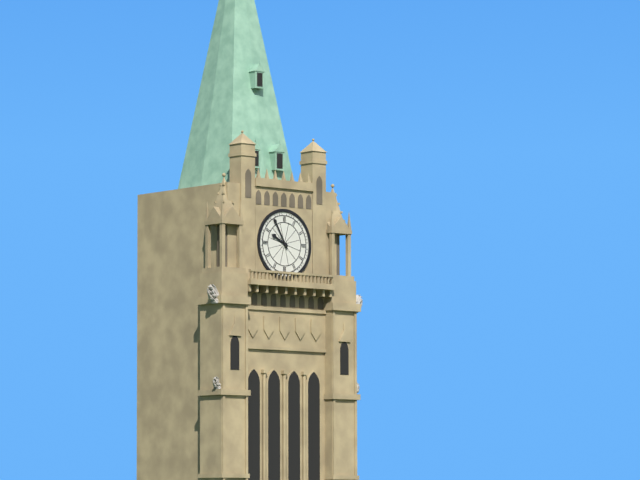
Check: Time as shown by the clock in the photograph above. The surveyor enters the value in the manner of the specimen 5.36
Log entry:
9.55
